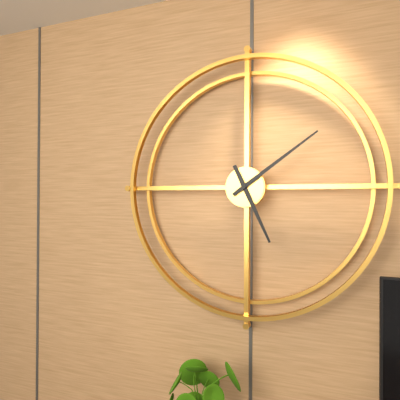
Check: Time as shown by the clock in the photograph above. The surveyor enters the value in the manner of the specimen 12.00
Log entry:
5.09
